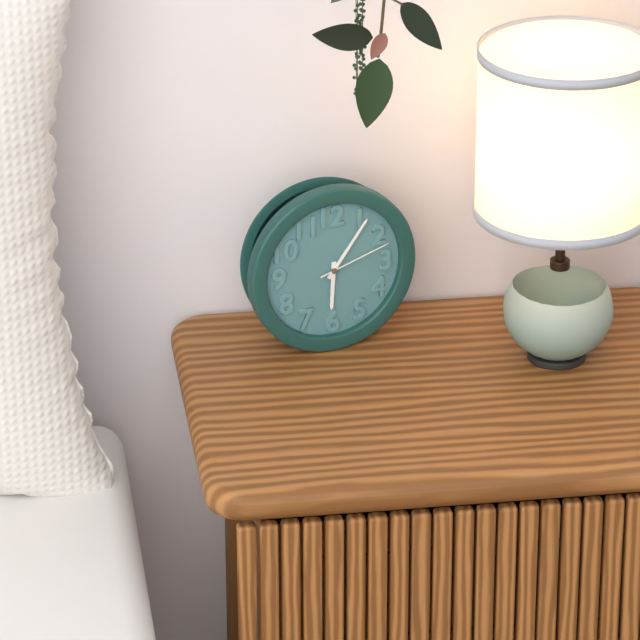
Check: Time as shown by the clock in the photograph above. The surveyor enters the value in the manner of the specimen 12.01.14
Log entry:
6.06.12
